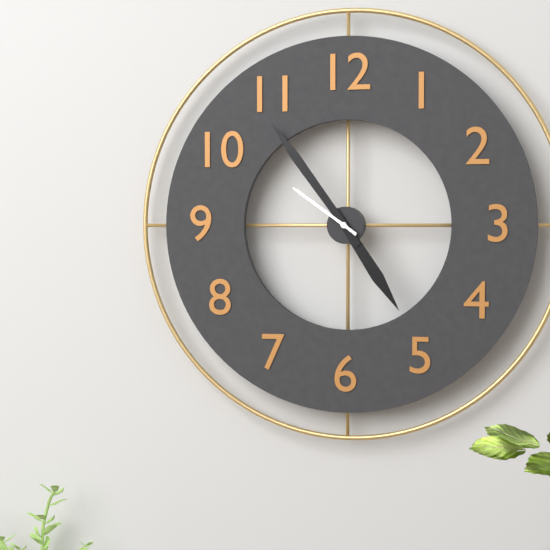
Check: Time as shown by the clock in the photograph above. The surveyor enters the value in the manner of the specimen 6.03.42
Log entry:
4.54.51
